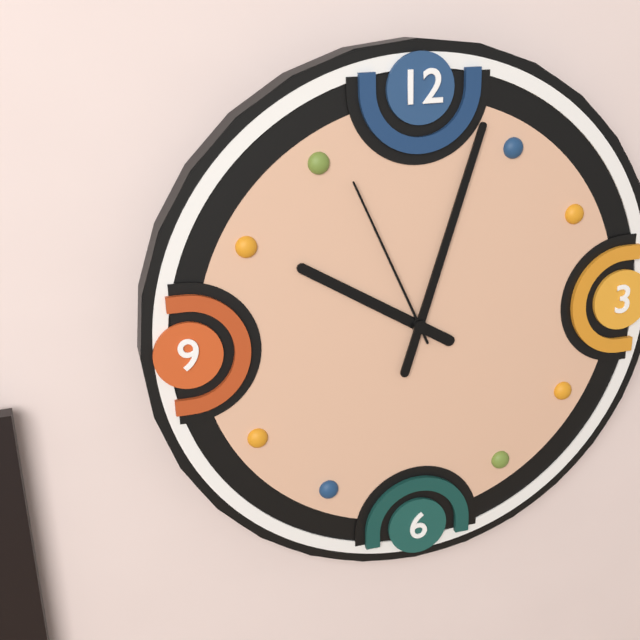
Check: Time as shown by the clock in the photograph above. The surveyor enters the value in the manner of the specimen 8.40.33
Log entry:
10.03.56
